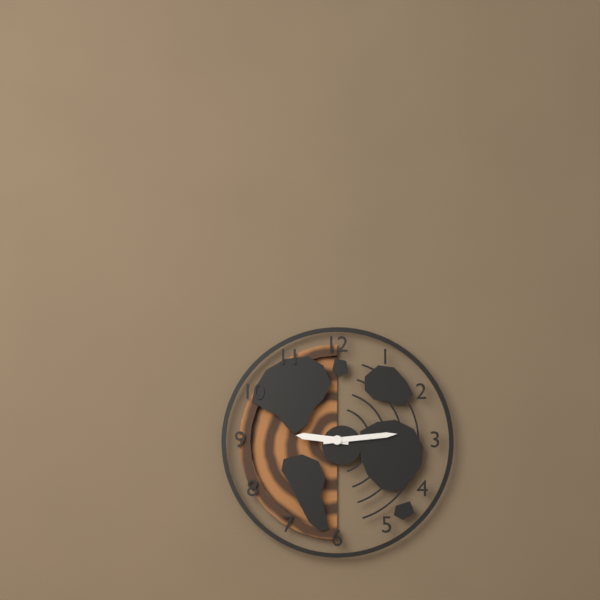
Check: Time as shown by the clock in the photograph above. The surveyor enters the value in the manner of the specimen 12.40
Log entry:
9.14
